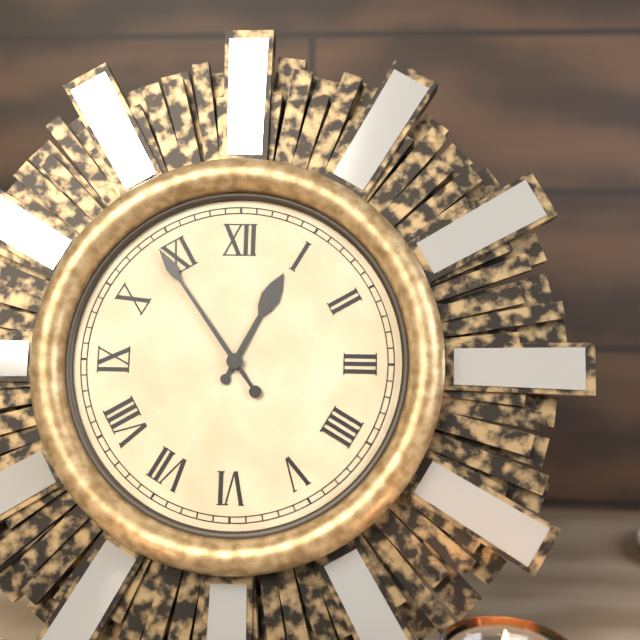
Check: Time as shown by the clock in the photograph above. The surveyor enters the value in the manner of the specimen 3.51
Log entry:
12.54
